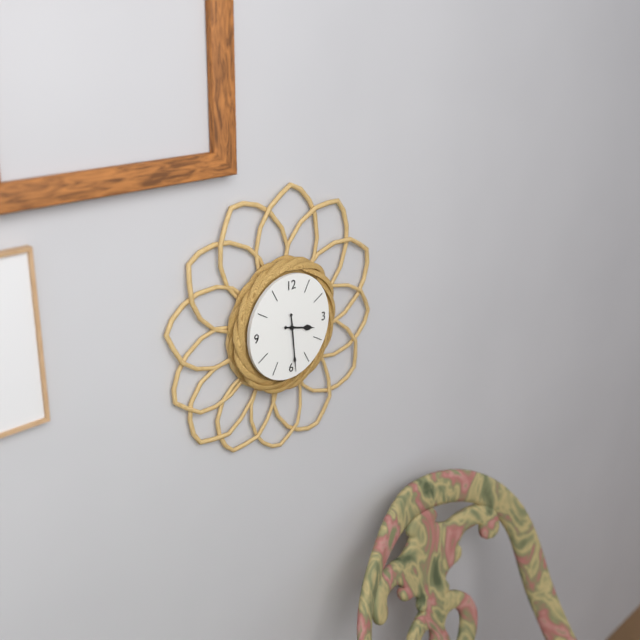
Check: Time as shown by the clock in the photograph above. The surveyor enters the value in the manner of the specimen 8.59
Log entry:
3.29
